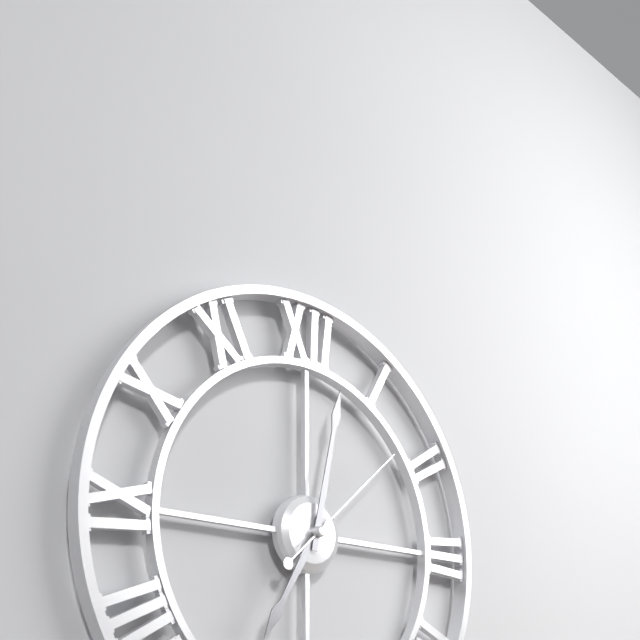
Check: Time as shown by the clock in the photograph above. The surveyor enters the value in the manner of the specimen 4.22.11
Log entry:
7.02.08
